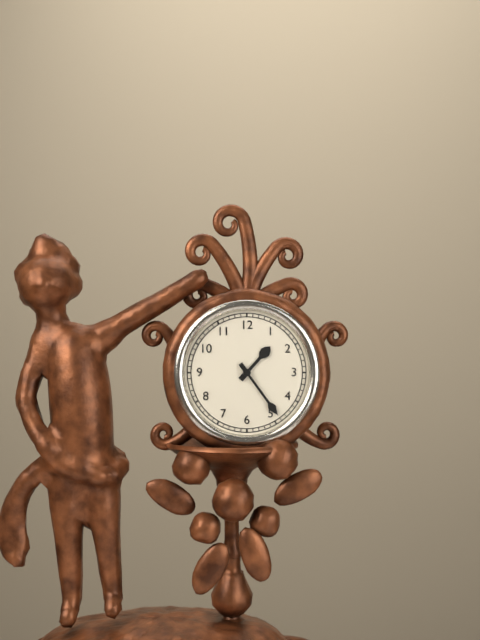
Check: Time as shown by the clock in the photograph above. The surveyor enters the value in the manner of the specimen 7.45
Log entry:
1.24
